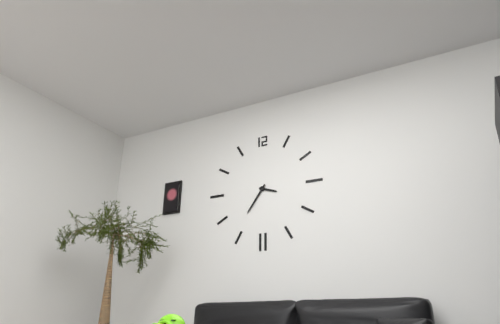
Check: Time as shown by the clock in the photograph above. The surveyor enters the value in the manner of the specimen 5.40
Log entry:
3.36
